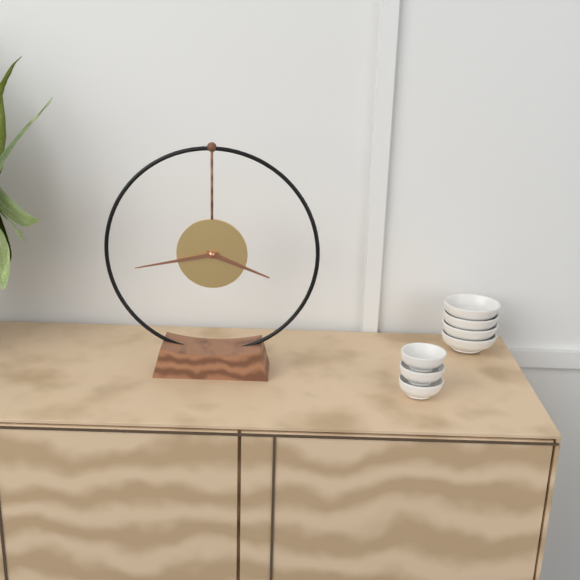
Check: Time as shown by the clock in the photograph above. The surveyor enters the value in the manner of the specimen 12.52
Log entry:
3.43
